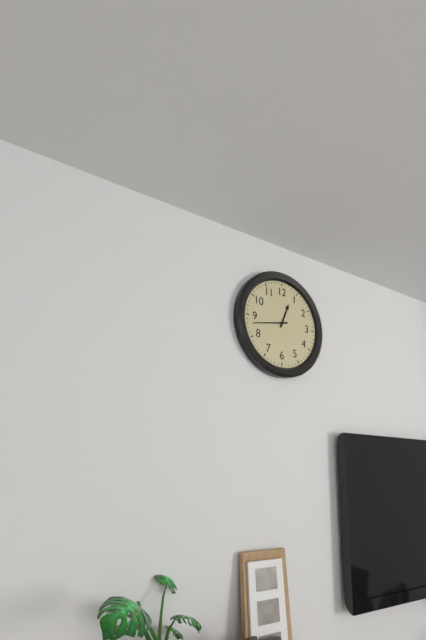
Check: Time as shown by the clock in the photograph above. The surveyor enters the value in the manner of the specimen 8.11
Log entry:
12.43
